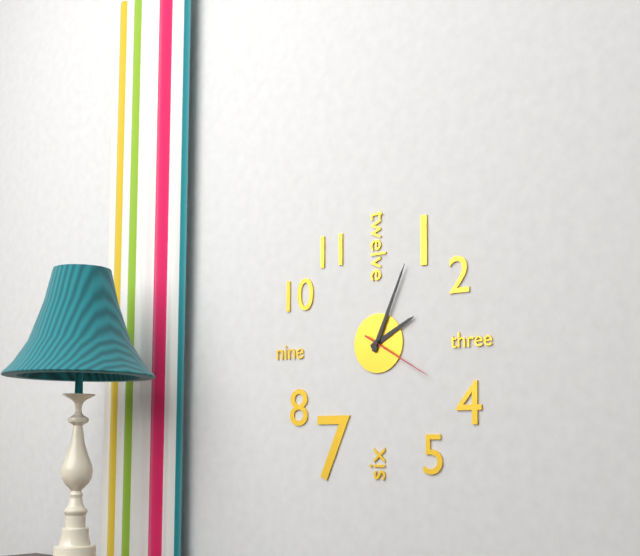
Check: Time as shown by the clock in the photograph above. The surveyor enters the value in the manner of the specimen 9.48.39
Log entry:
2.04.20
